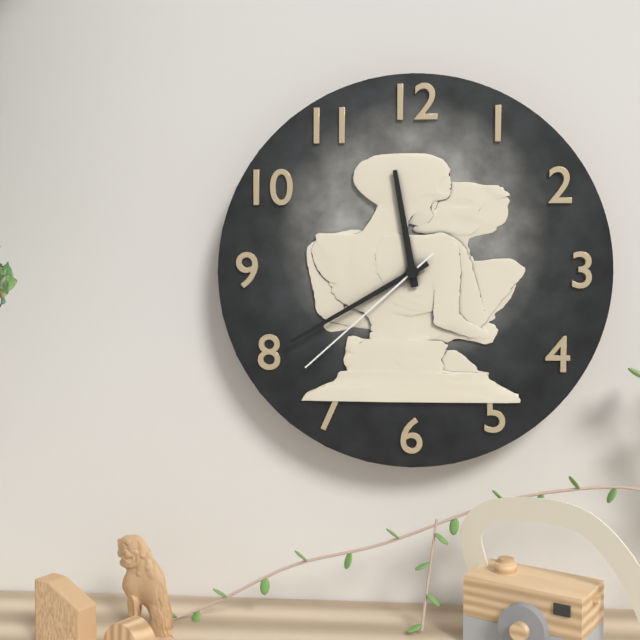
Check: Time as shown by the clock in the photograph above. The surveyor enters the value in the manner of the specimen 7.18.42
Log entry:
11.40.38
